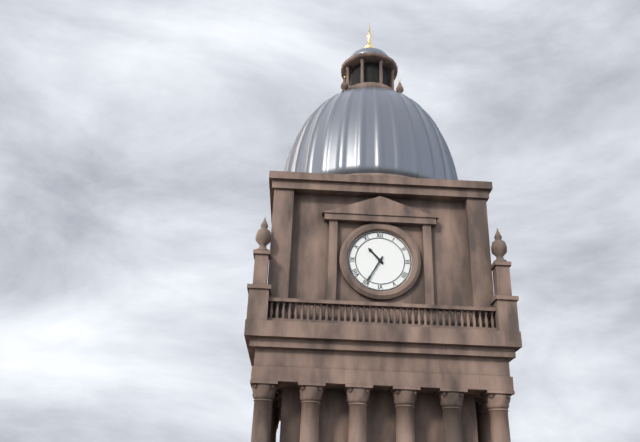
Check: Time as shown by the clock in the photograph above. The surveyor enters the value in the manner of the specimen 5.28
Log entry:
10.35
